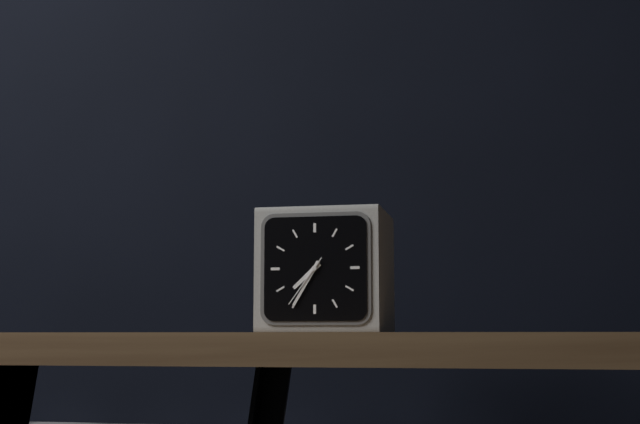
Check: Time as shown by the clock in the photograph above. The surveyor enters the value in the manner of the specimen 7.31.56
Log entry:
7.35.36
